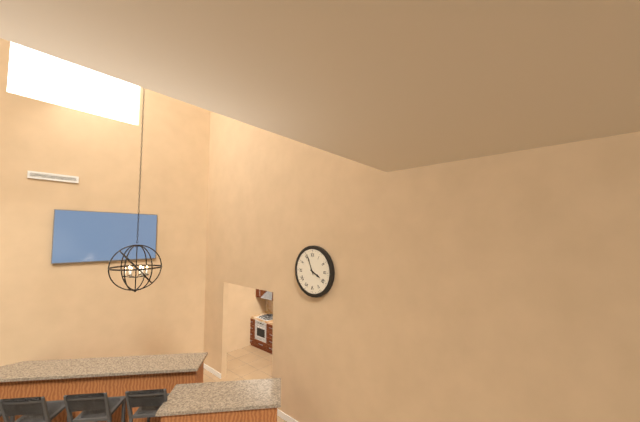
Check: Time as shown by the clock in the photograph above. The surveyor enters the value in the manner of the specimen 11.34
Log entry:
3.56
